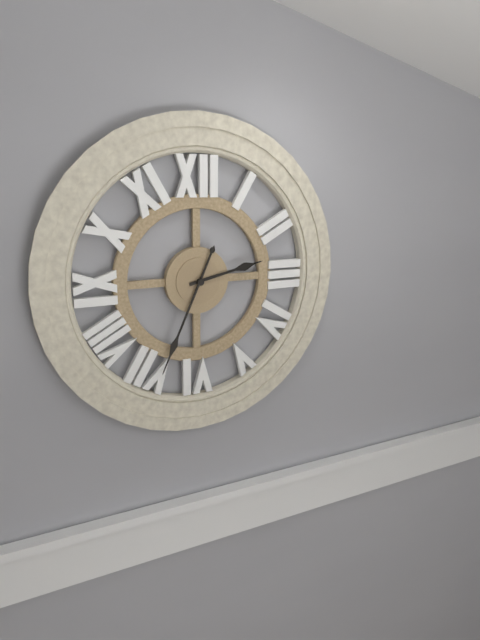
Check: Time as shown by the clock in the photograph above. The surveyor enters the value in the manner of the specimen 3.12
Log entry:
2.34
